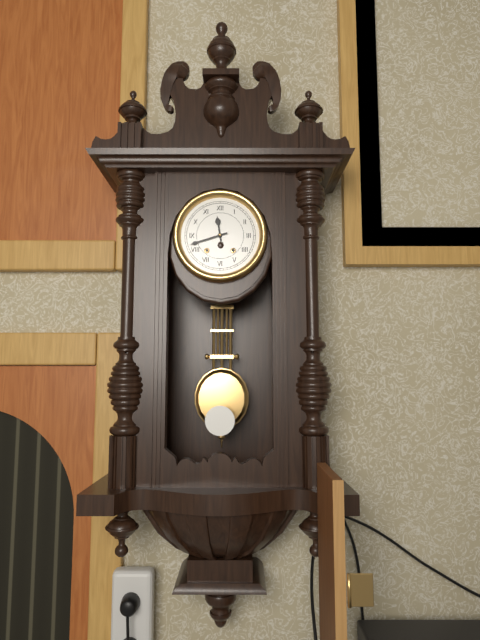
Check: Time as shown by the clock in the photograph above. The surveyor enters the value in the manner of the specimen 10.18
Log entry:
11.42
